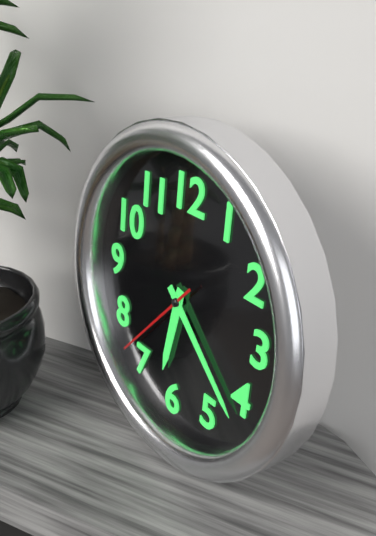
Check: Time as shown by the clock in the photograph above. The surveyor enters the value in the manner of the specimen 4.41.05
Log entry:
6.22.37
